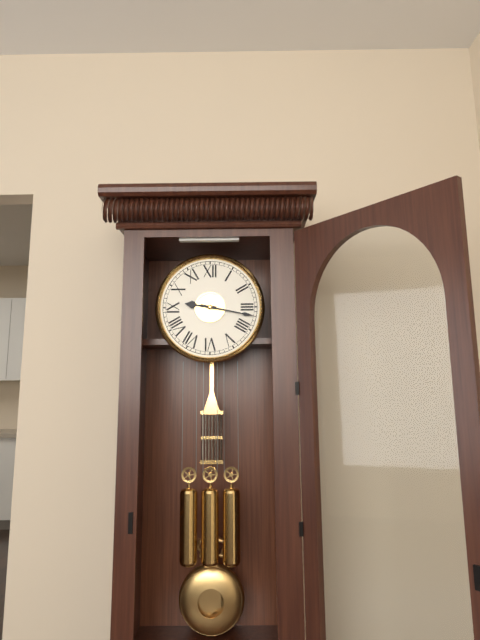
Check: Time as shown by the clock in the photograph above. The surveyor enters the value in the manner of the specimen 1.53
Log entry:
9.17
